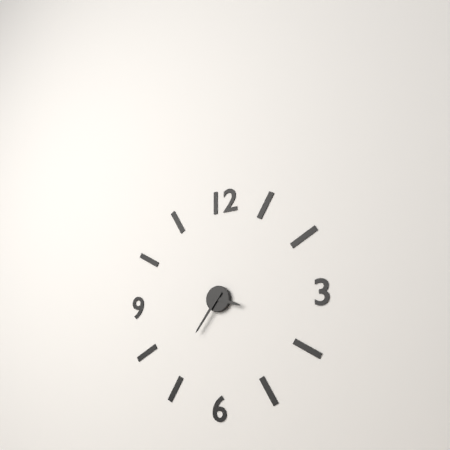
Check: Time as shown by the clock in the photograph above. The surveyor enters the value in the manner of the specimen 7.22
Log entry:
3.36
